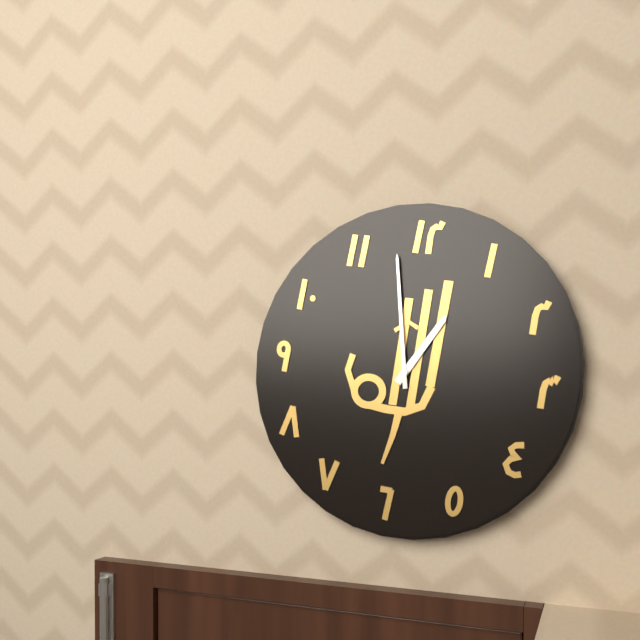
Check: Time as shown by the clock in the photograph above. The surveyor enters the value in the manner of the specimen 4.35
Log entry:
12.58
